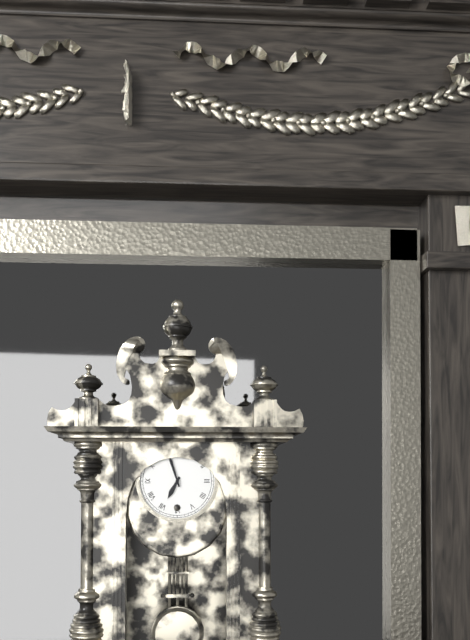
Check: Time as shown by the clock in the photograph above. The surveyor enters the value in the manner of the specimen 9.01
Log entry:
6.57
